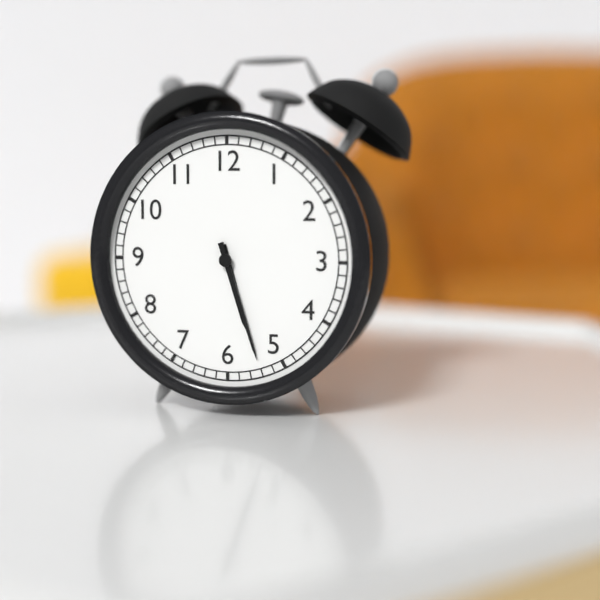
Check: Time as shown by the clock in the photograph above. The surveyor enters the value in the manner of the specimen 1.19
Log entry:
5.27
